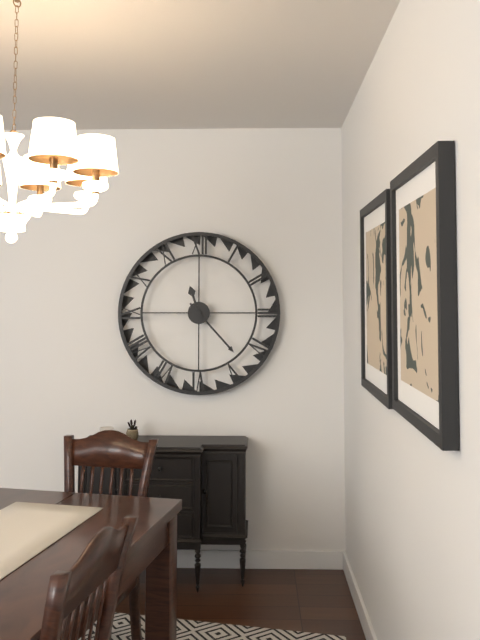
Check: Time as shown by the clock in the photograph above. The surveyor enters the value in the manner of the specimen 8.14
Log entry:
11.23
